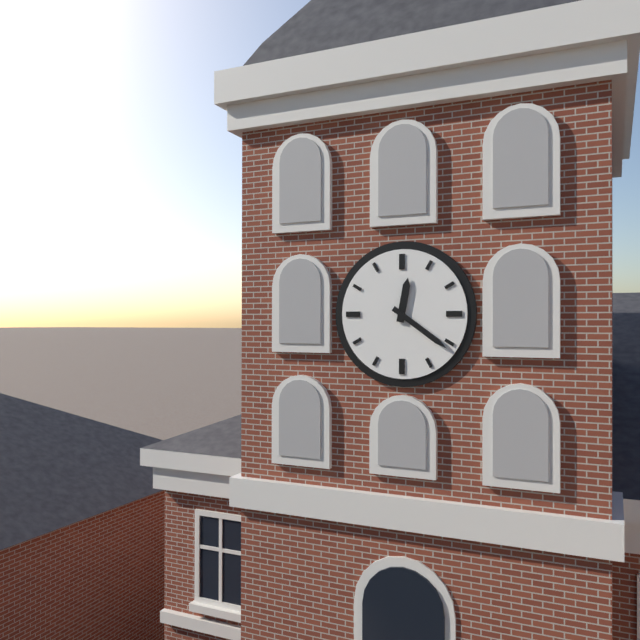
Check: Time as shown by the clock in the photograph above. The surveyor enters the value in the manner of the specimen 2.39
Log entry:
12.21
